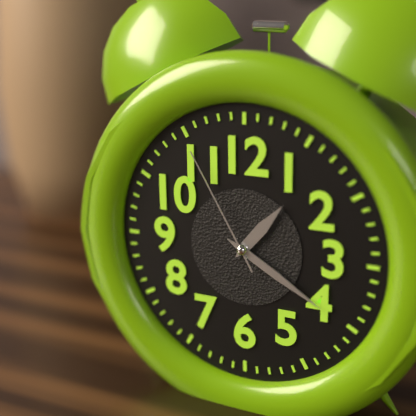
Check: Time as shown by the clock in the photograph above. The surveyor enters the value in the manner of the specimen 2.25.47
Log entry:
1.20.55
